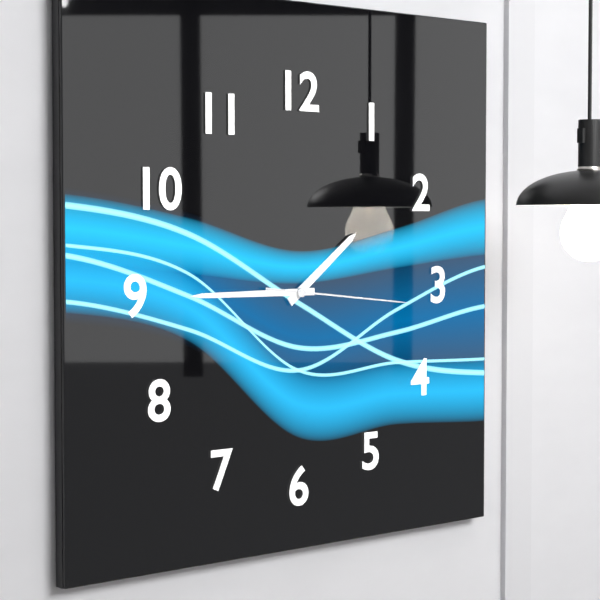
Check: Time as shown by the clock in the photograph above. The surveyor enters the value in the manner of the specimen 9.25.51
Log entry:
1.45.16
